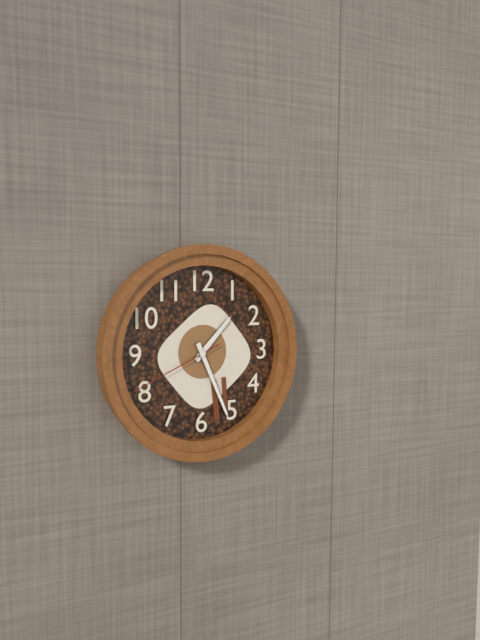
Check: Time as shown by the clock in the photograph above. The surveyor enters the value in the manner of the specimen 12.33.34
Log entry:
1.26.41
